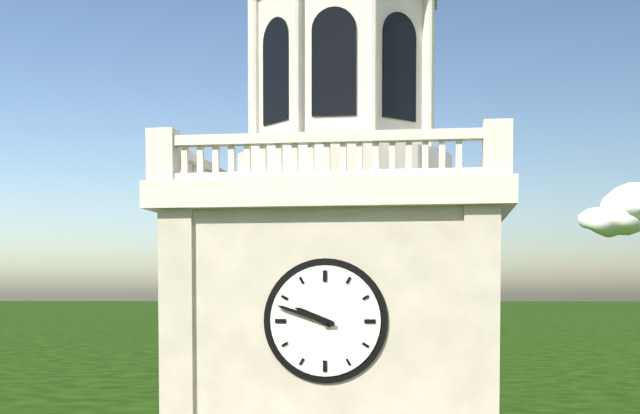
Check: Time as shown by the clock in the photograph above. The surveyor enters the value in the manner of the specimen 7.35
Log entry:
9.48
